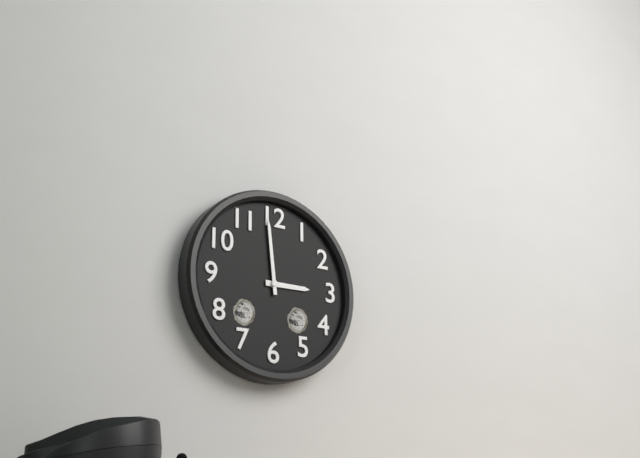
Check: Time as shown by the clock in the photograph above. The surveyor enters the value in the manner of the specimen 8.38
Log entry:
2.59
